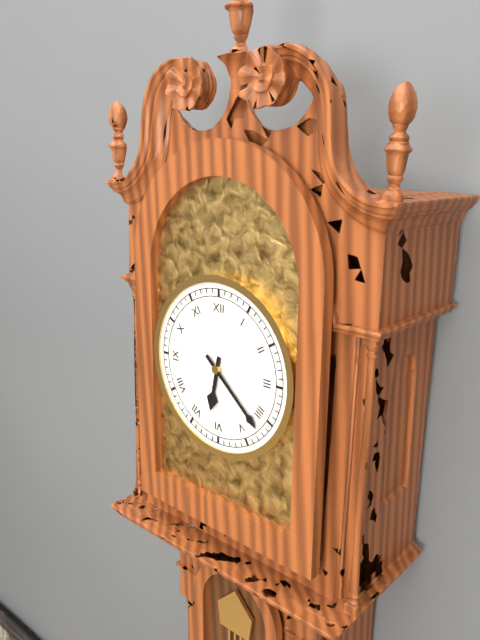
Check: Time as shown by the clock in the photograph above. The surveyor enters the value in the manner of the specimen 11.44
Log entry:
6.22
